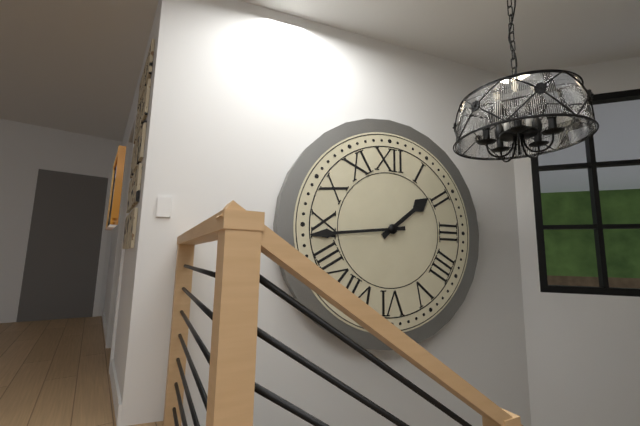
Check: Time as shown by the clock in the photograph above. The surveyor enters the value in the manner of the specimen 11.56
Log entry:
1.44
